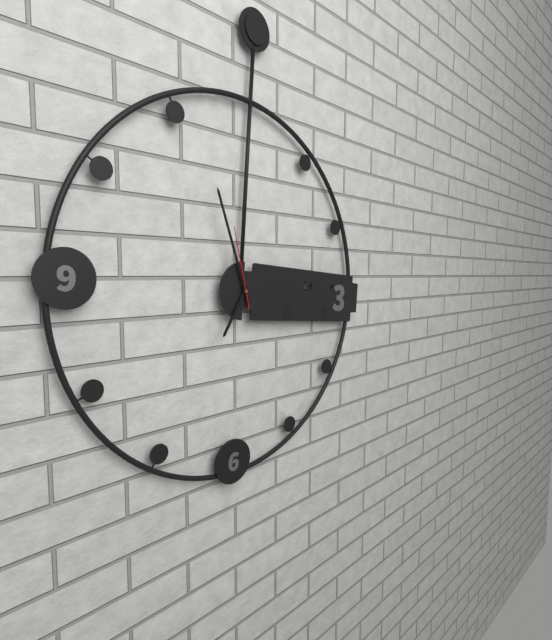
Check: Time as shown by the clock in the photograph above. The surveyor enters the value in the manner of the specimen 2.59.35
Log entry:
6.56.57
